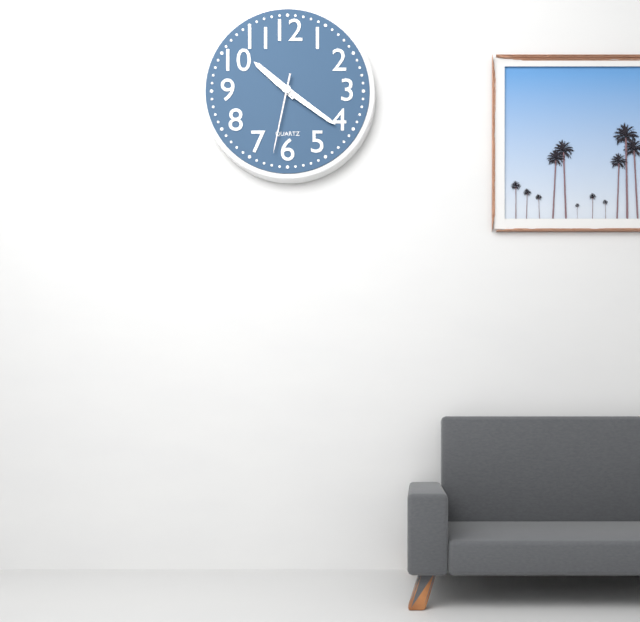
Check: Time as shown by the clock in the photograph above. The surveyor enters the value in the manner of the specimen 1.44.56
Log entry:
10.21.32
